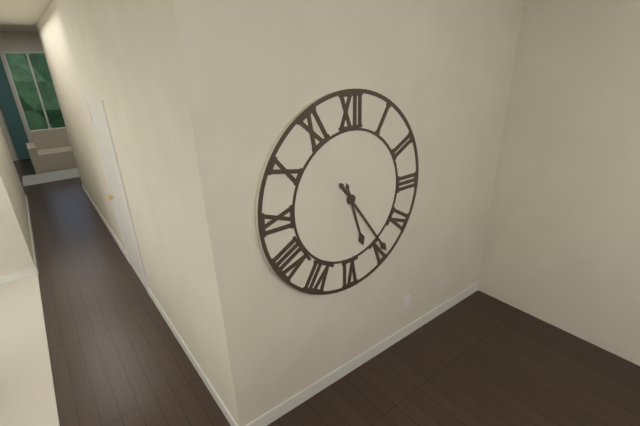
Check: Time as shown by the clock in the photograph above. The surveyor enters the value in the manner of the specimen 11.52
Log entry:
5.24
